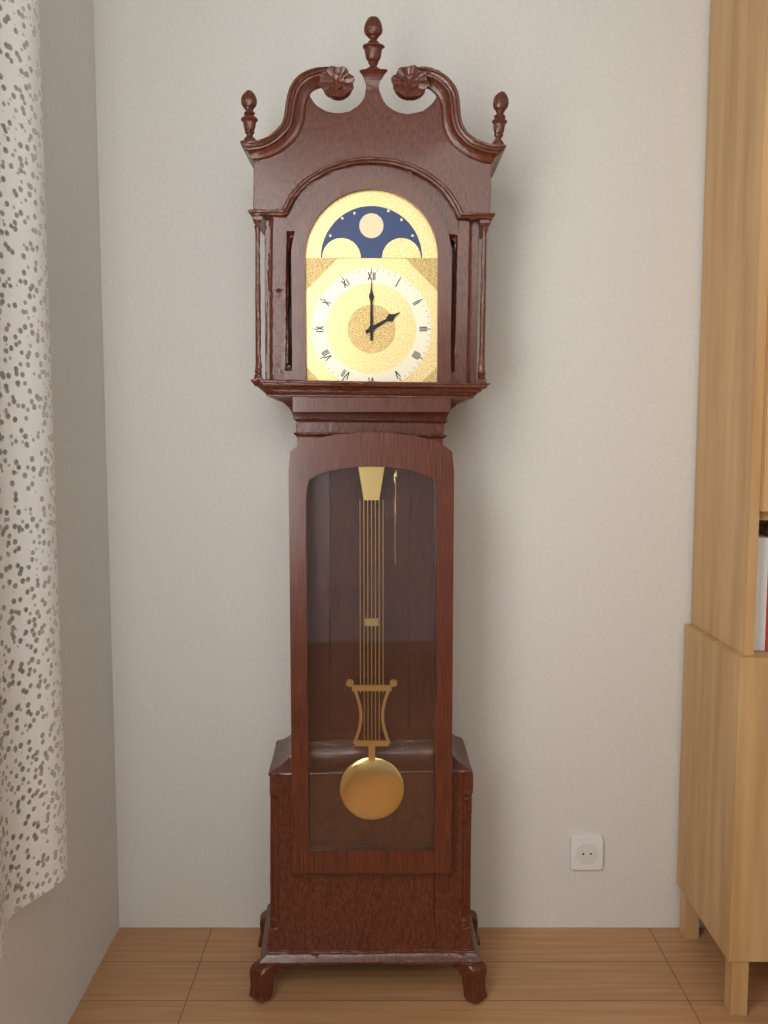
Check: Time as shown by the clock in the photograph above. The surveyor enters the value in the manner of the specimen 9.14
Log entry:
2.00
